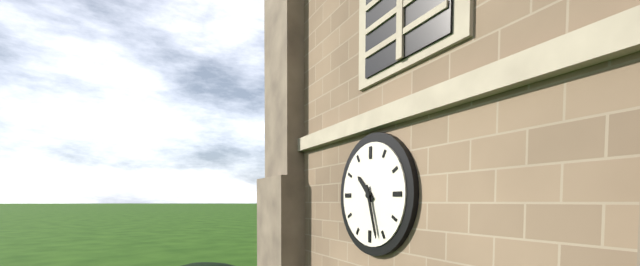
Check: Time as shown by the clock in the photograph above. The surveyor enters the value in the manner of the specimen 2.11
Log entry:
10.27
